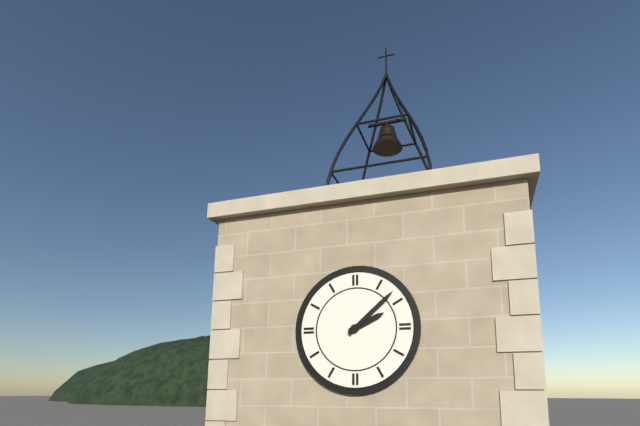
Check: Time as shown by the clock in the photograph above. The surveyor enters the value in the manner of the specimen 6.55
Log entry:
2.08
